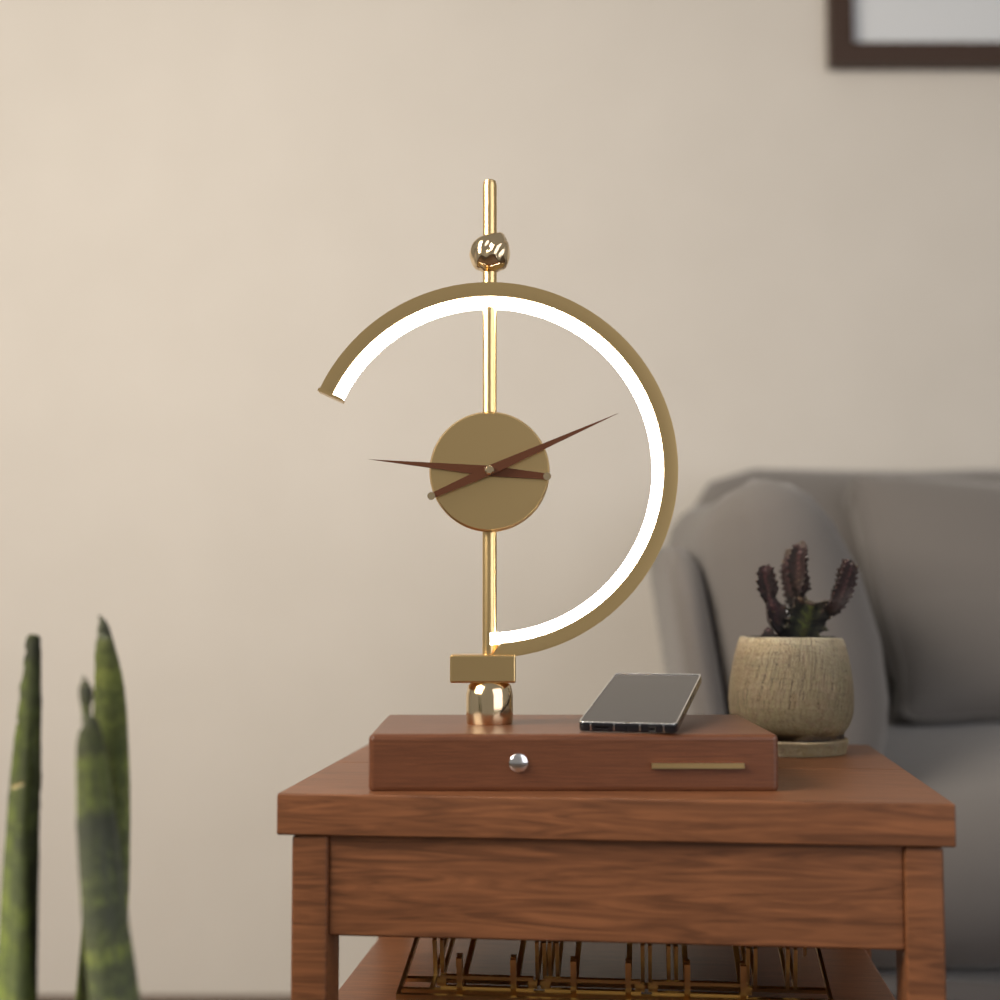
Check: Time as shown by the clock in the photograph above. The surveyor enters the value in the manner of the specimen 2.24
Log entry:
9.11
